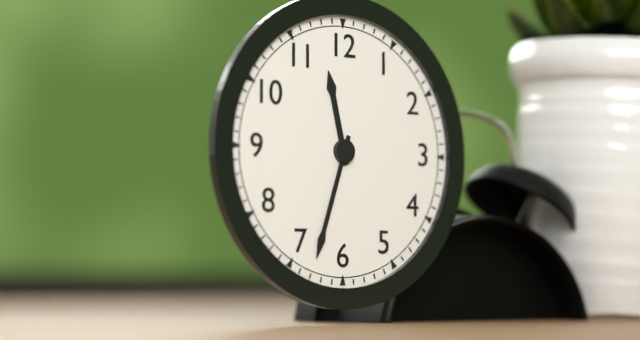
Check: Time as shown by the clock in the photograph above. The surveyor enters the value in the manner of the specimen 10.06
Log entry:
11.33
